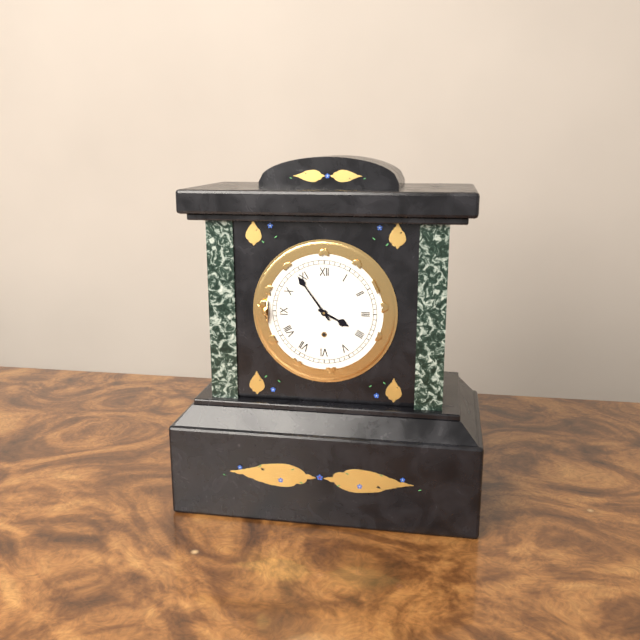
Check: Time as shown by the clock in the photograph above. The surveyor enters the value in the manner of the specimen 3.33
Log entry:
3.54
